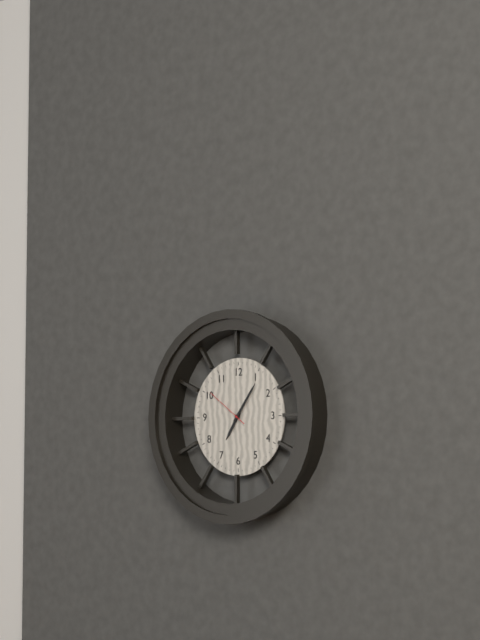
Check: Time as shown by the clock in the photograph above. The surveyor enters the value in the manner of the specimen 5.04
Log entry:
7.06
